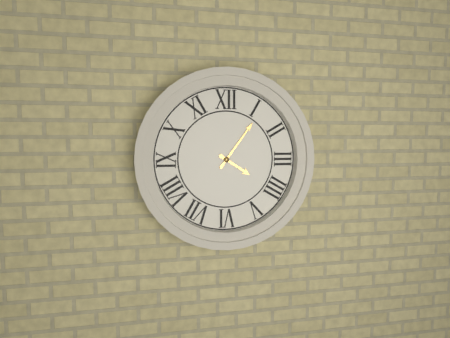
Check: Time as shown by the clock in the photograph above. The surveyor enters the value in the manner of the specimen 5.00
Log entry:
4.06
